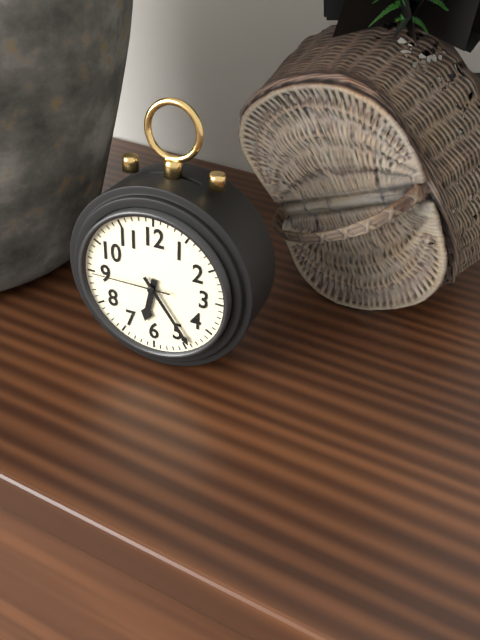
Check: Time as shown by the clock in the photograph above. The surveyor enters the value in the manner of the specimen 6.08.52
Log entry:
6.24.45
